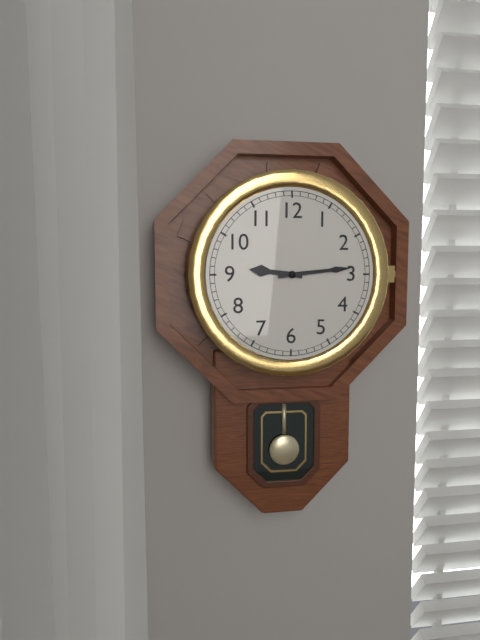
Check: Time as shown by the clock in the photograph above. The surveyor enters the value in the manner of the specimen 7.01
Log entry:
9.14
